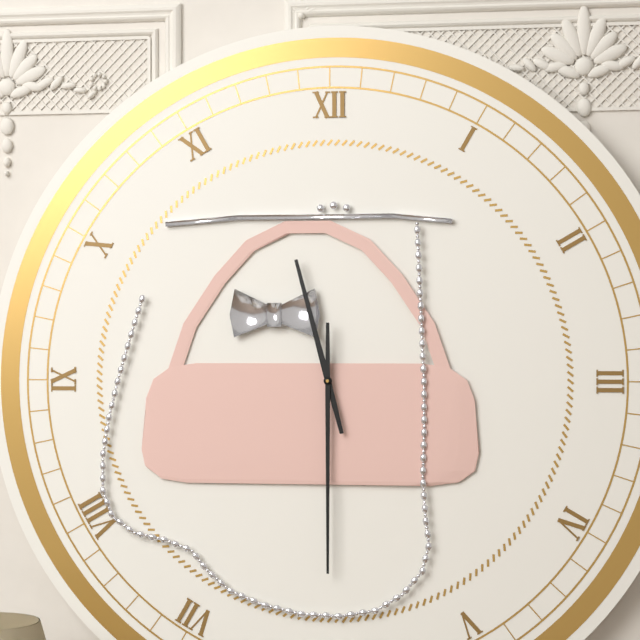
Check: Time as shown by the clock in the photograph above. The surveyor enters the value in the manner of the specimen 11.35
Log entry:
11.30
